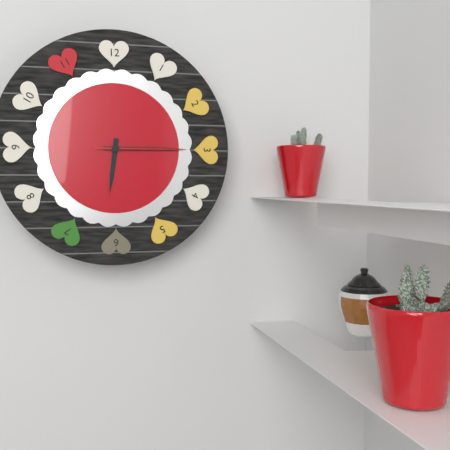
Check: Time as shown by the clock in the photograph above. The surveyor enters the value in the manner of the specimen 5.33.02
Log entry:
6.15.15
